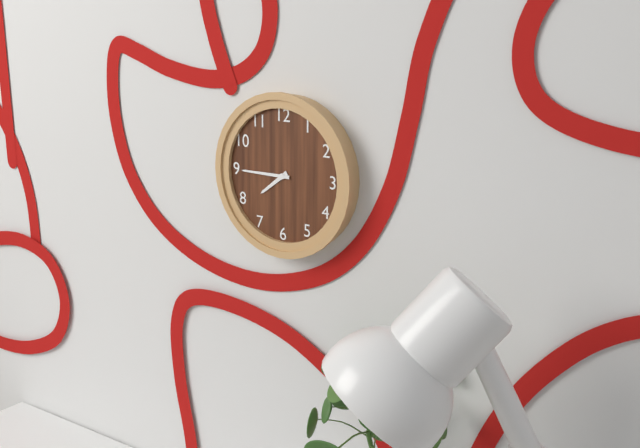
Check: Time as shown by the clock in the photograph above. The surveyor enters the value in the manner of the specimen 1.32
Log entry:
7.45
